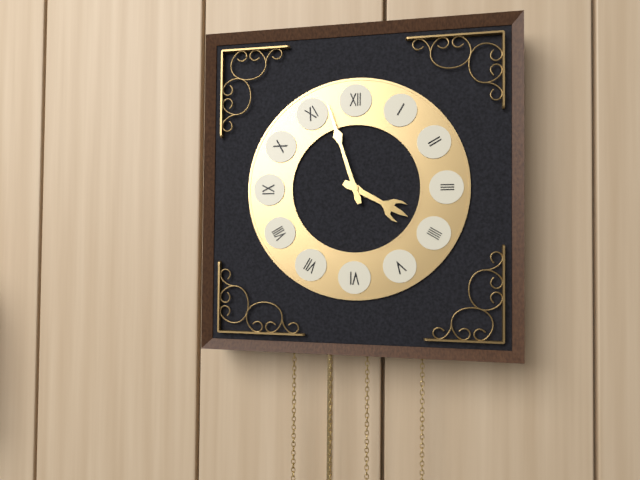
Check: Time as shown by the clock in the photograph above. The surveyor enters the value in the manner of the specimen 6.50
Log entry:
3.57
